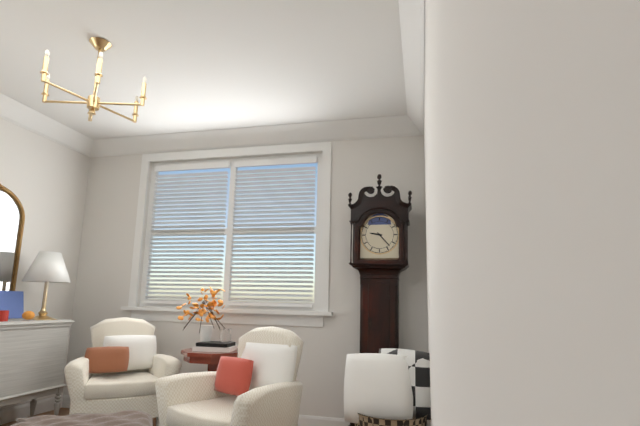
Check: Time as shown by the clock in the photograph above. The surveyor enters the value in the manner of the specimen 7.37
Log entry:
9.23
